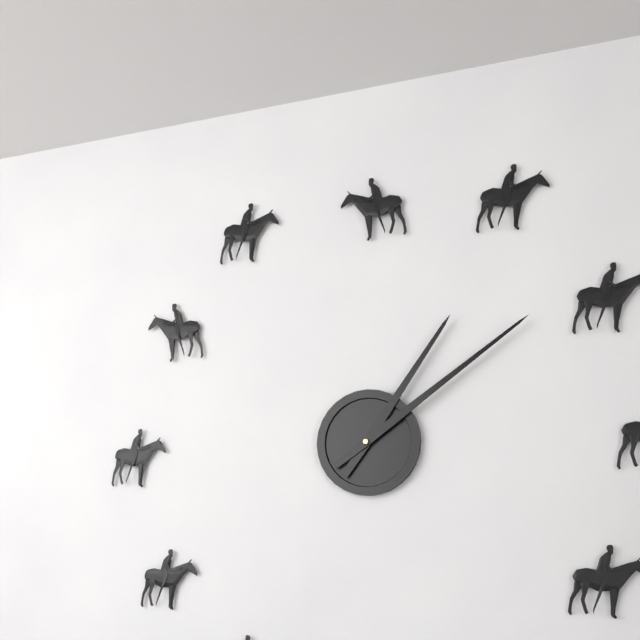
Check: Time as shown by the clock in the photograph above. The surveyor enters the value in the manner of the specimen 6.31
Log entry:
1.09
